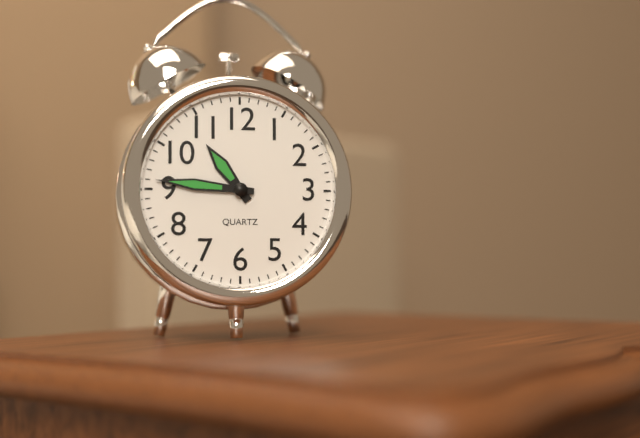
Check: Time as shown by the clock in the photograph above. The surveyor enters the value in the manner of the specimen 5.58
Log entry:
10.46
